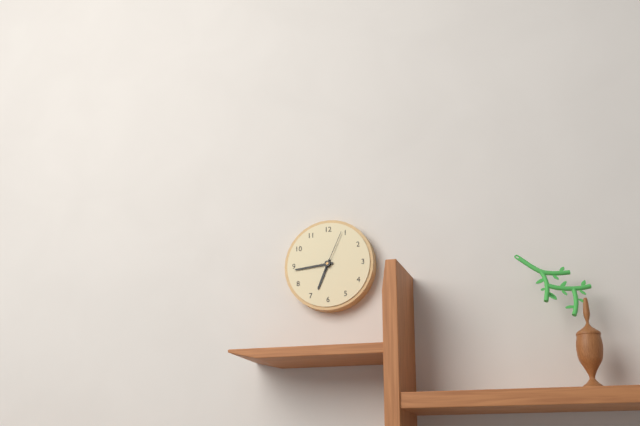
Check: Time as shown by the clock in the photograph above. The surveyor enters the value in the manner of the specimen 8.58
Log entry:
6.44
